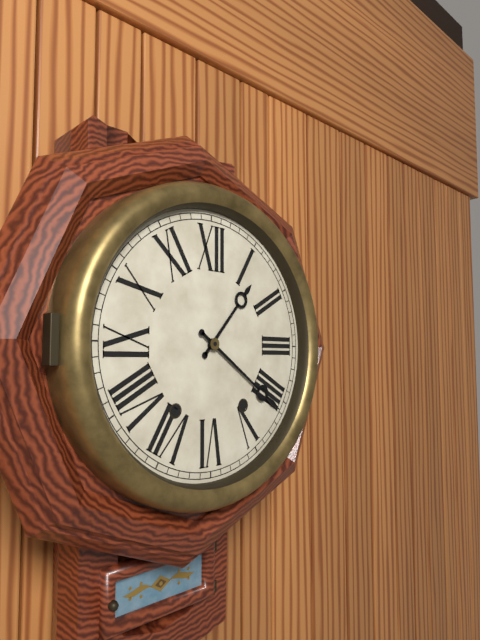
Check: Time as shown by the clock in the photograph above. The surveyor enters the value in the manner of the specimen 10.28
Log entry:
1.21
